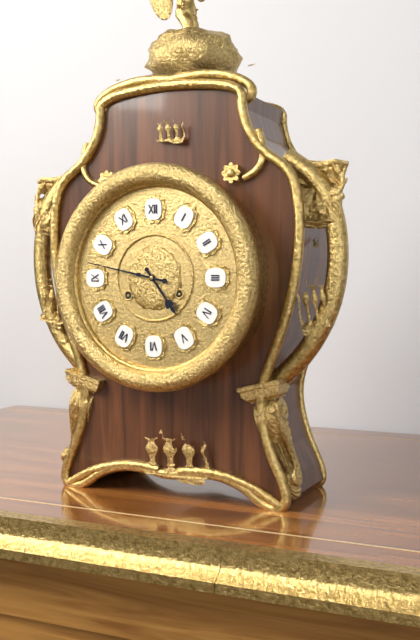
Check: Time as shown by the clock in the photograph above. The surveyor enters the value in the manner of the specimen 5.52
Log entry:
4.47
